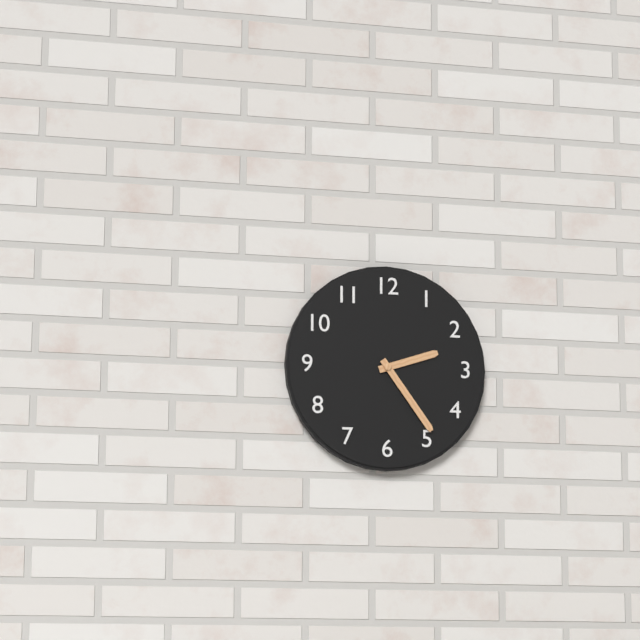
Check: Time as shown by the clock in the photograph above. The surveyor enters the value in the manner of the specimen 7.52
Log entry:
2.24
